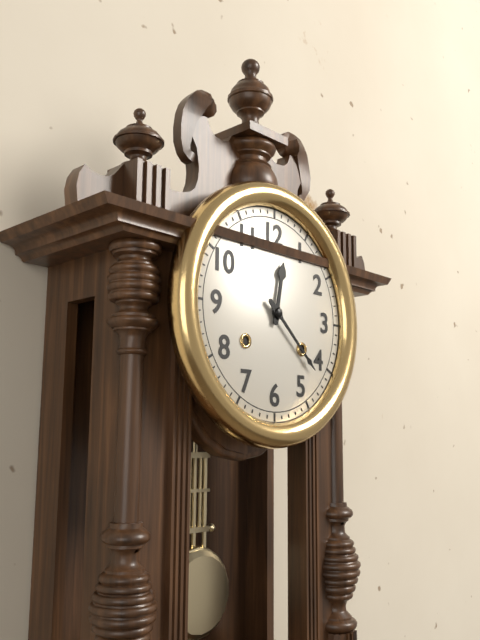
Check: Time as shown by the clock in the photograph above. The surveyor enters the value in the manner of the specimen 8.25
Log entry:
12.22
